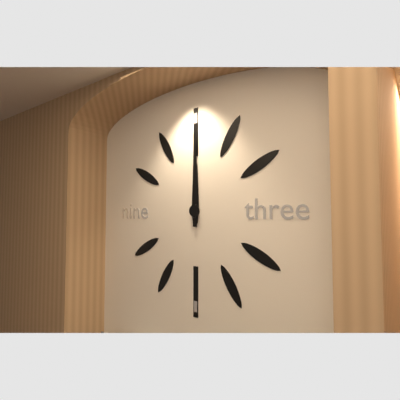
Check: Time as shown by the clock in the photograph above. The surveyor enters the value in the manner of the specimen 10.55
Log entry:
12.00
